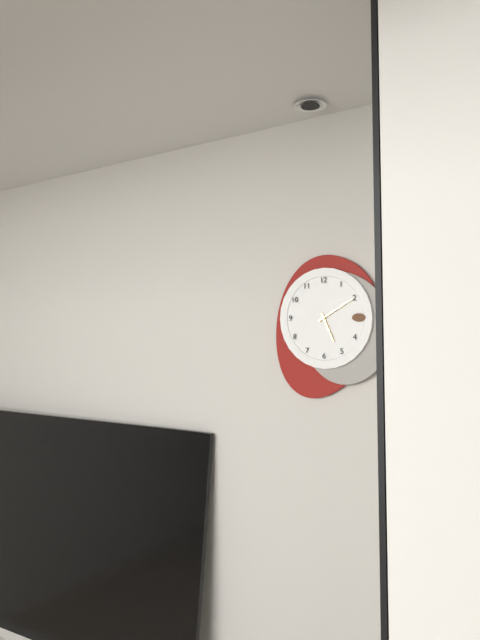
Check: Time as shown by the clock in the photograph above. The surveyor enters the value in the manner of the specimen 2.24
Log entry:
5.10
